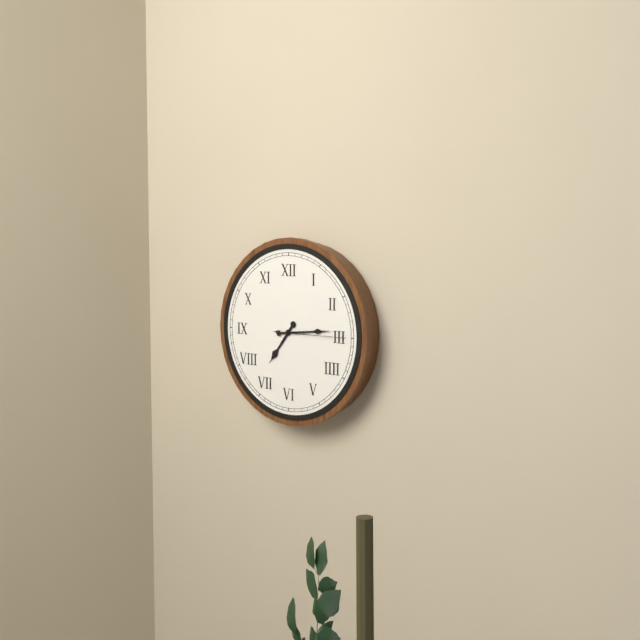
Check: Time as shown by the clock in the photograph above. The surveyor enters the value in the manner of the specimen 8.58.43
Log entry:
7.14.15
